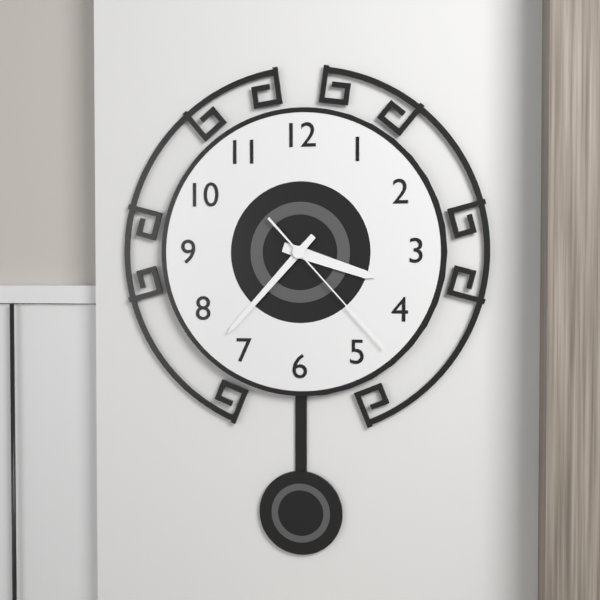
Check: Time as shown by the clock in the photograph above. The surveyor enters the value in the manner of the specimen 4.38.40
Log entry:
3.37.23
